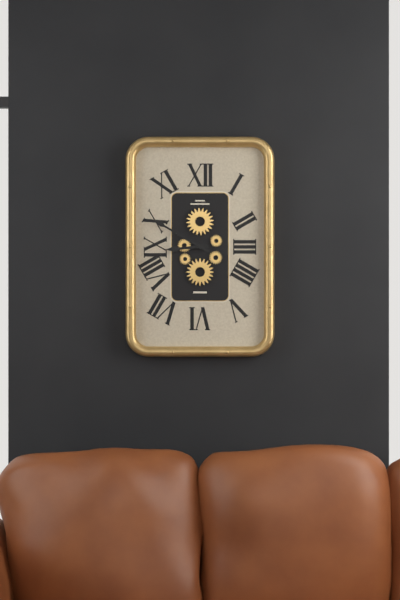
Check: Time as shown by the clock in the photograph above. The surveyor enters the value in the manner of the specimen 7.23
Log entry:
8.50
